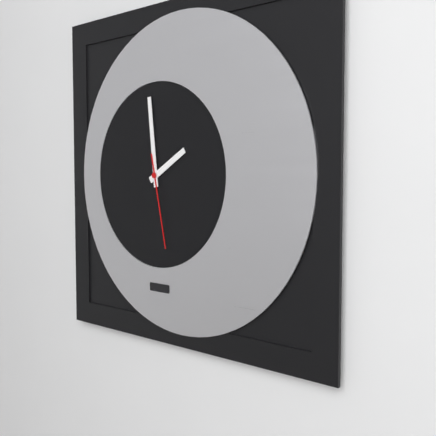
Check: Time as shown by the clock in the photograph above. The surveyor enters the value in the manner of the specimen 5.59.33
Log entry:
1.59.28
